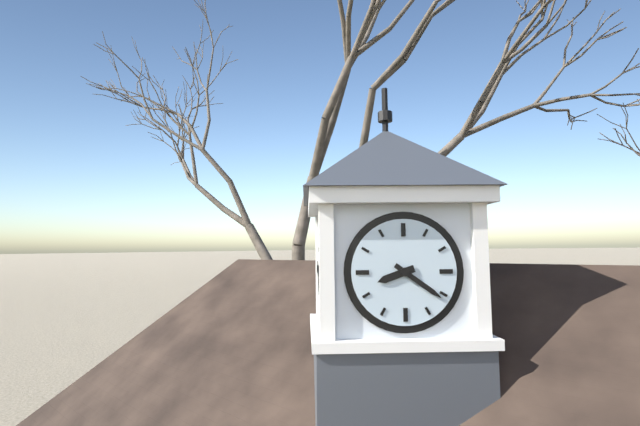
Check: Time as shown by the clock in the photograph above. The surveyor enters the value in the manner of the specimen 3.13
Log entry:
8.21
